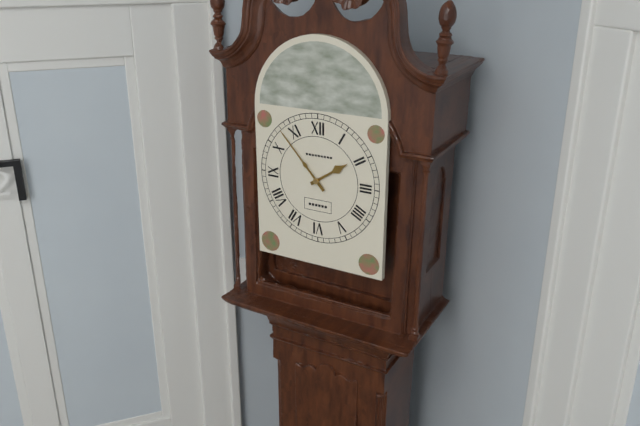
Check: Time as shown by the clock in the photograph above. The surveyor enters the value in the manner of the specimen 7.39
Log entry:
1.53
